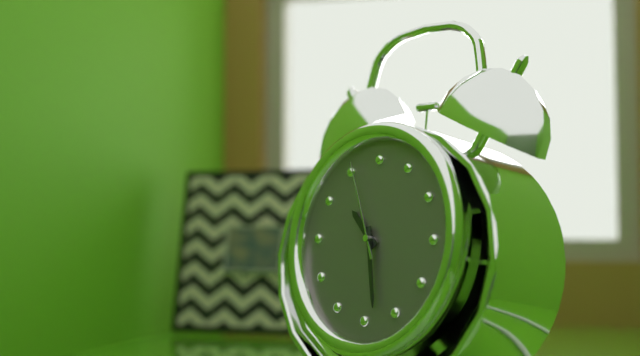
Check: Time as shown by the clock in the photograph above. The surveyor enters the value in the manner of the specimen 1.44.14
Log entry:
10.28.56
